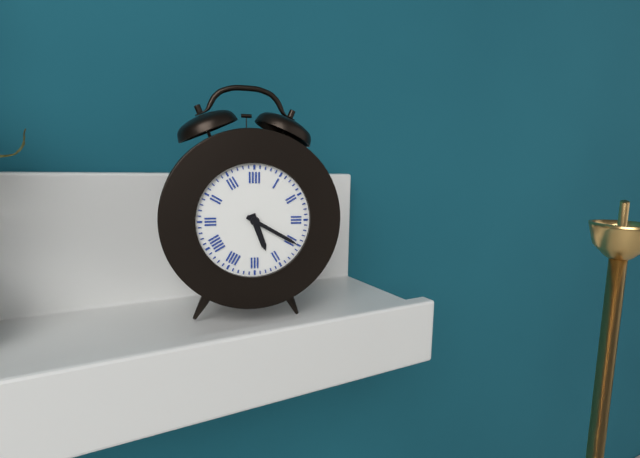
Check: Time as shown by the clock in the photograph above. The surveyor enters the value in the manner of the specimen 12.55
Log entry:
5.20
